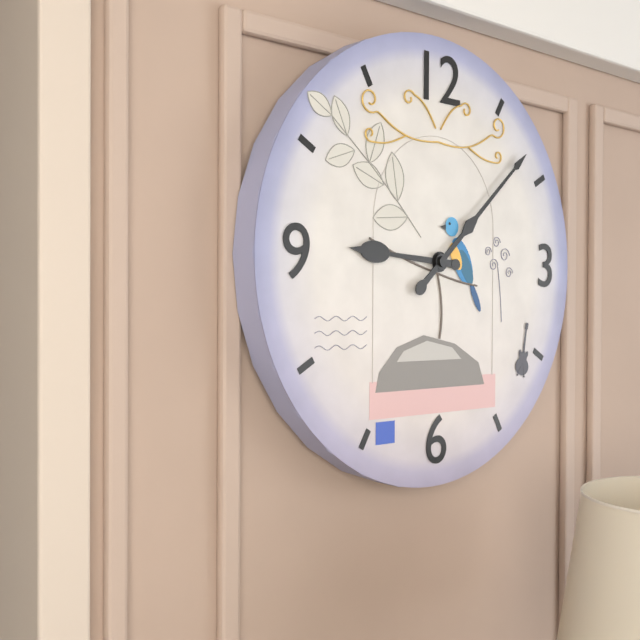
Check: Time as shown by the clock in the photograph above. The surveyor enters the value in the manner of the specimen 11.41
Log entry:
9.08
